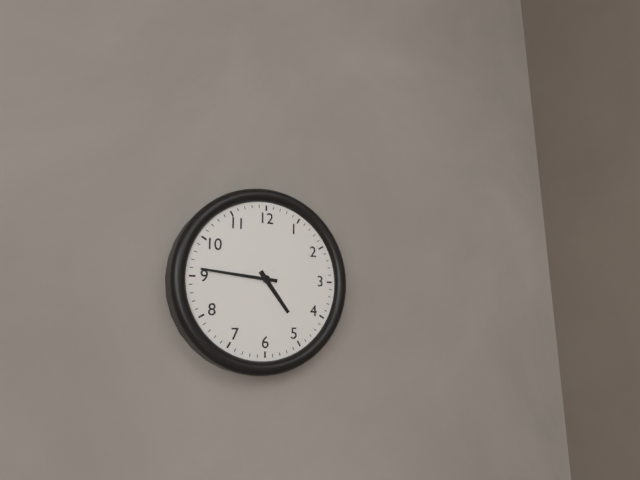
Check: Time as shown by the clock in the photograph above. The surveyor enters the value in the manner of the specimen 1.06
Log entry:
4.46
